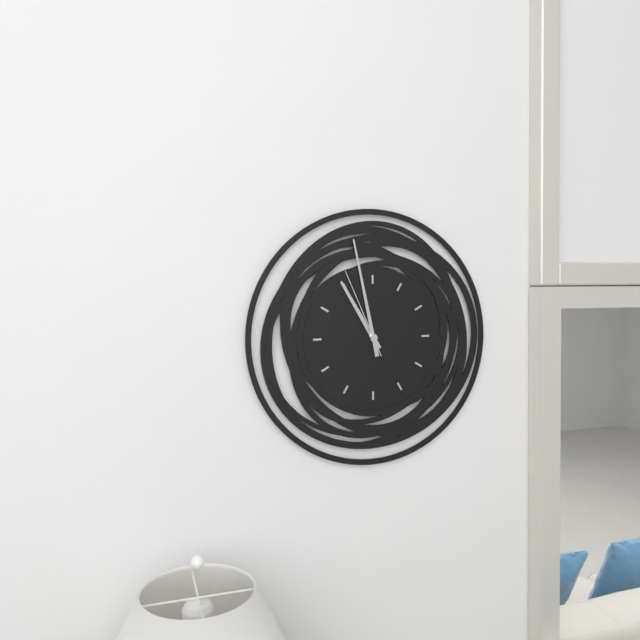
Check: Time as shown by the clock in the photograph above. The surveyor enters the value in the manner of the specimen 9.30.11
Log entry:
10.58.56
